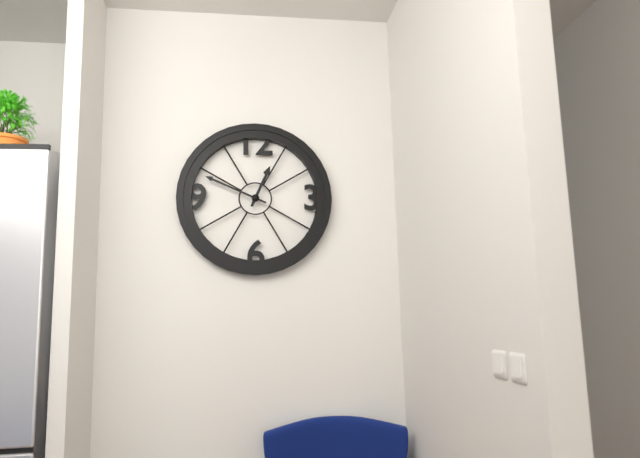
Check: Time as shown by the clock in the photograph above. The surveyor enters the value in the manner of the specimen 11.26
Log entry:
12.49
